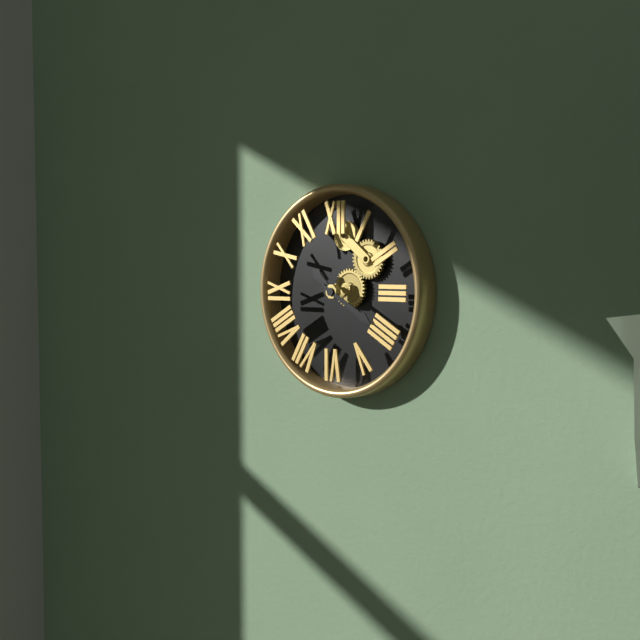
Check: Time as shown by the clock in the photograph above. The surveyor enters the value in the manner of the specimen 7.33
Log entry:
10.20
